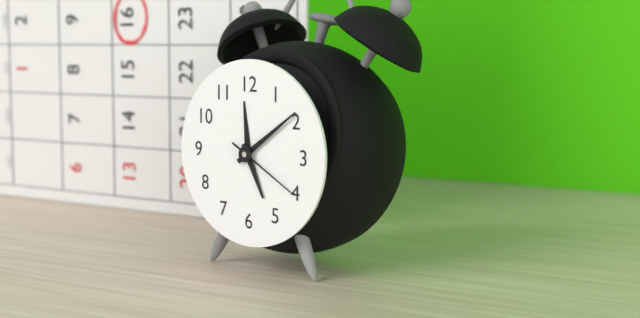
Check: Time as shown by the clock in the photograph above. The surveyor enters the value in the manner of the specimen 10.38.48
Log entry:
5.09.20
